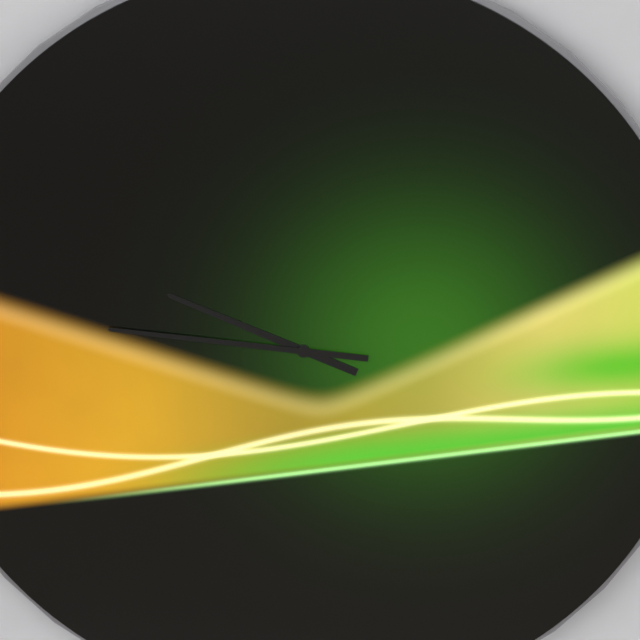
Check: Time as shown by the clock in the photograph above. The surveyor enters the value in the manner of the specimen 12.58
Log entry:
9.46
